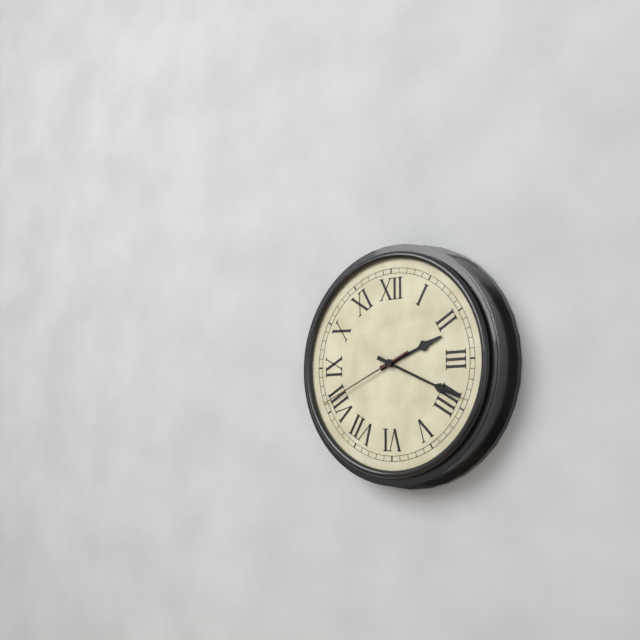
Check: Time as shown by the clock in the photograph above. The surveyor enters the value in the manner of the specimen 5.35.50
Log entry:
2.19.41
